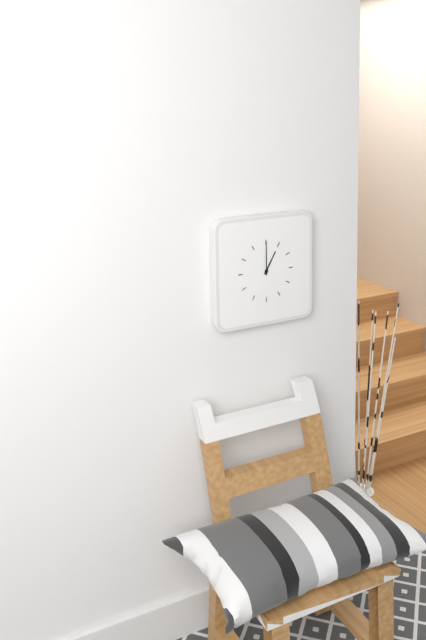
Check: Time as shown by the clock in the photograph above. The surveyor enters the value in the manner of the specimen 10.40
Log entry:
1.00
